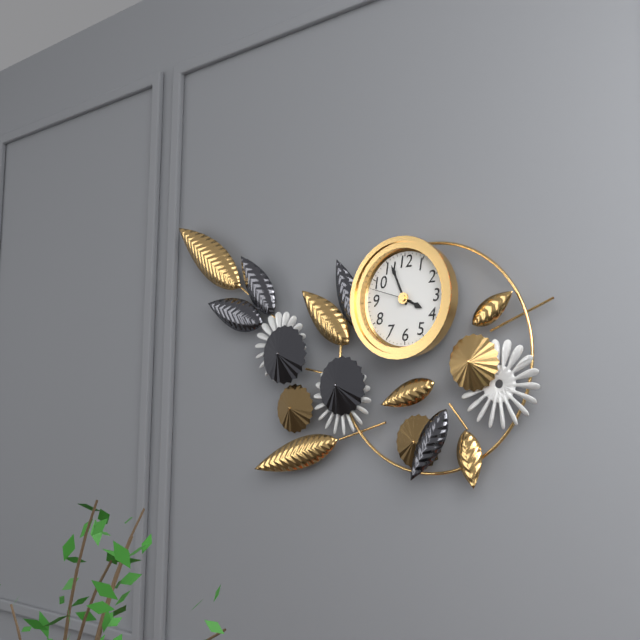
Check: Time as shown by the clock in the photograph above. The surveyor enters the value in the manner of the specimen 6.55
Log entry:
3.56
